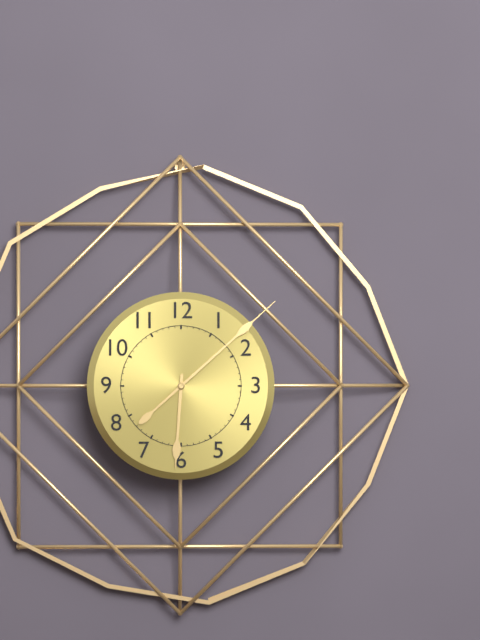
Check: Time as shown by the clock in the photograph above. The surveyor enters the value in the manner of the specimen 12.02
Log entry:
6.08
